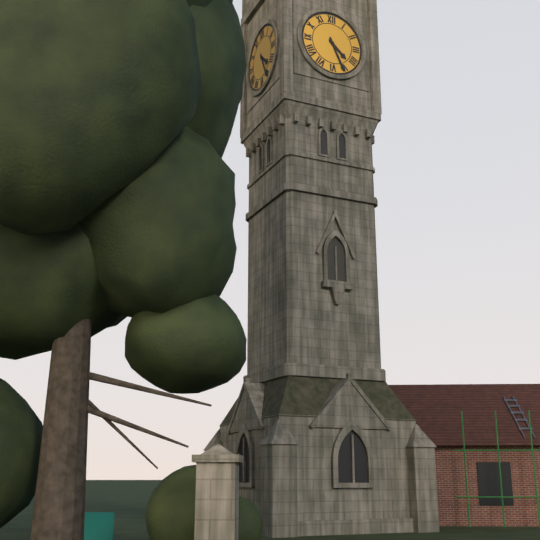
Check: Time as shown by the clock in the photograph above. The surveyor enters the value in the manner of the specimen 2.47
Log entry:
4.26
